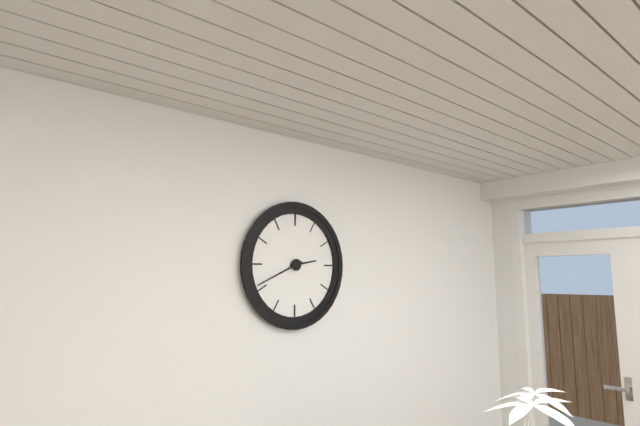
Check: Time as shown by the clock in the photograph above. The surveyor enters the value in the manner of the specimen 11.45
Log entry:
2.41
